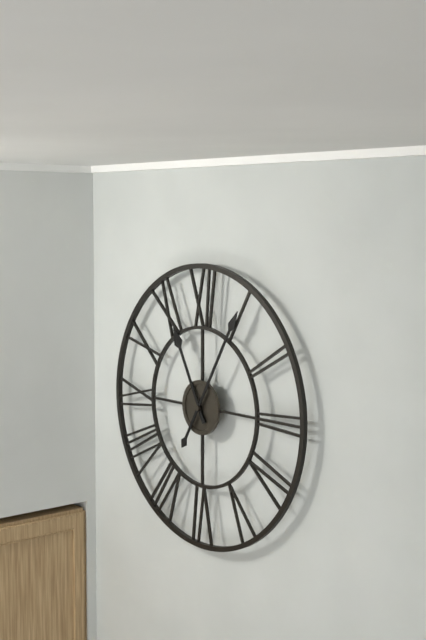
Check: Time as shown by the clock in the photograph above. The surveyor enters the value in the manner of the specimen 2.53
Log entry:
11.05
